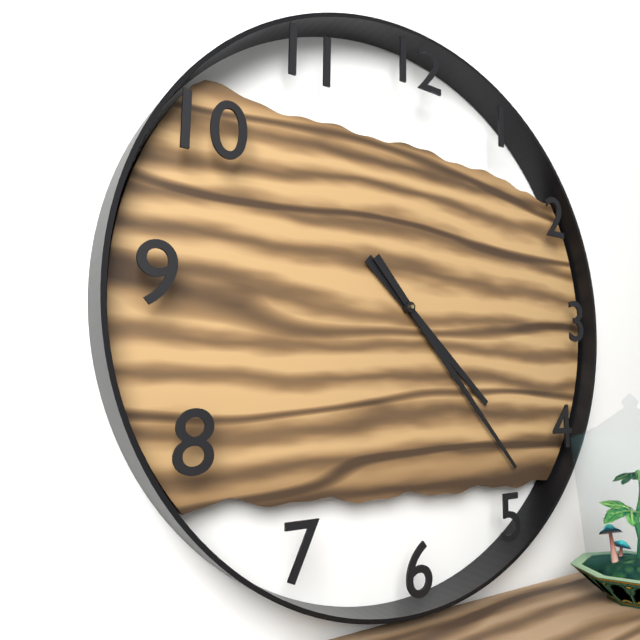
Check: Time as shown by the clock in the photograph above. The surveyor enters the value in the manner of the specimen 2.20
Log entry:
4.23
